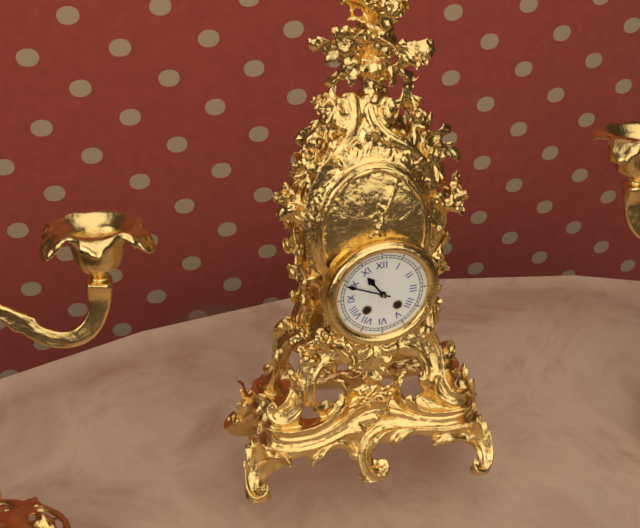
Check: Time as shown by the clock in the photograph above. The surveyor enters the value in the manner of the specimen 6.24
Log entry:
10.49
